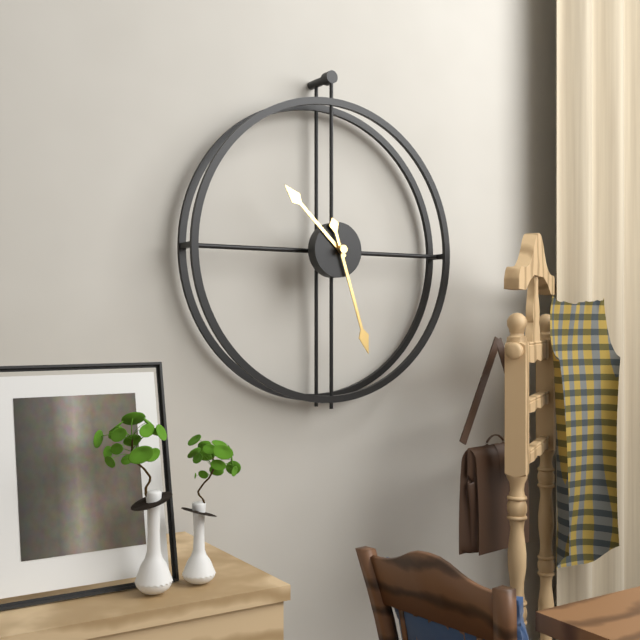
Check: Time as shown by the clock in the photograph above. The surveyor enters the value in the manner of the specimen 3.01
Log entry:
10.27
